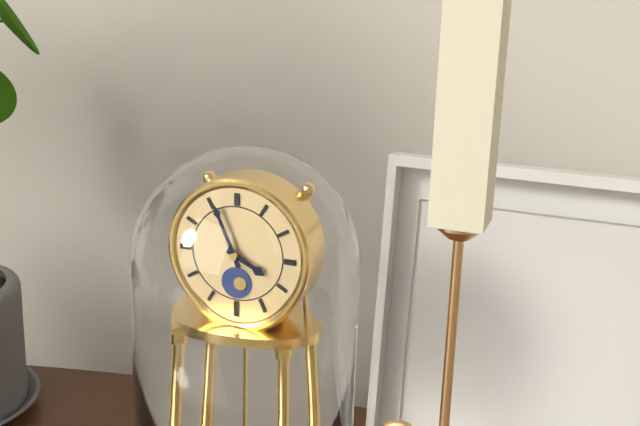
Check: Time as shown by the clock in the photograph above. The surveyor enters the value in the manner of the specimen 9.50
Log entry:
3.56
